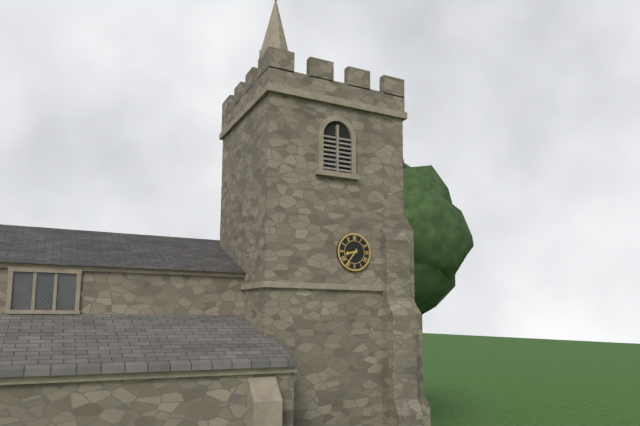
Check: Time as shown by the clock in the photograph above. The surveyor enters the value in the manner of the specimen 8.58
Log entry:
8.36
